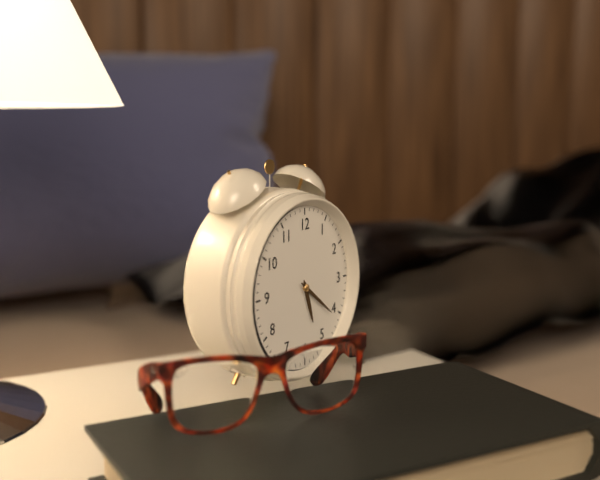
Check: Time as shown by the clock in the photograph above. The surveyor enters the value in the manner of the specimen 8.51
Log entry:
5.21
